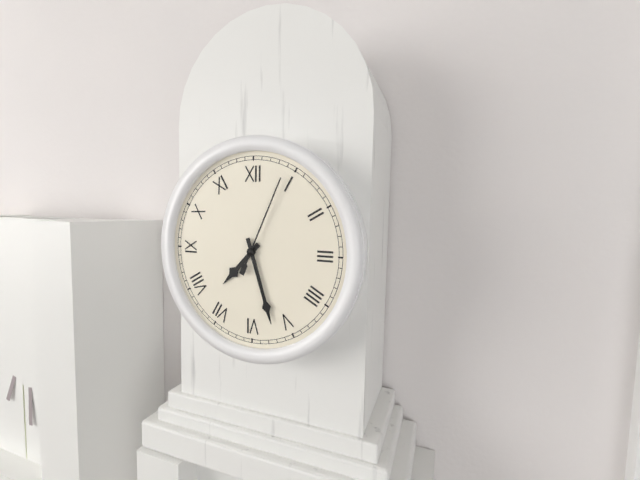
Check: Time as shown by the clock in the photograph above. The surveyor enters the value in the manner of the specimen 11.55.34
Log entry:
7.27.04
